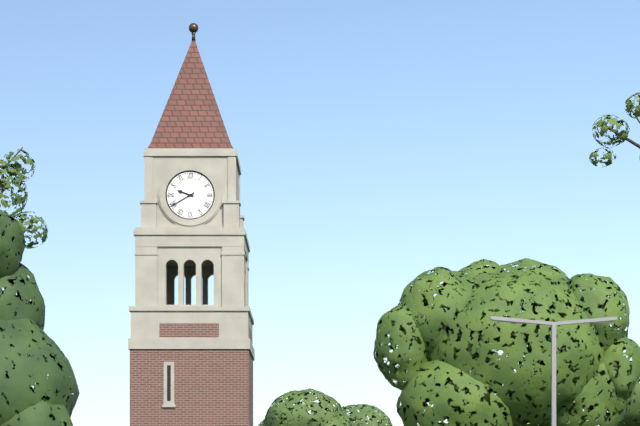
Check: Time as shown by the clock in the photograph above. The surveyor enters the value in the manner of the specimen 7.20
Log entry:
9.40
